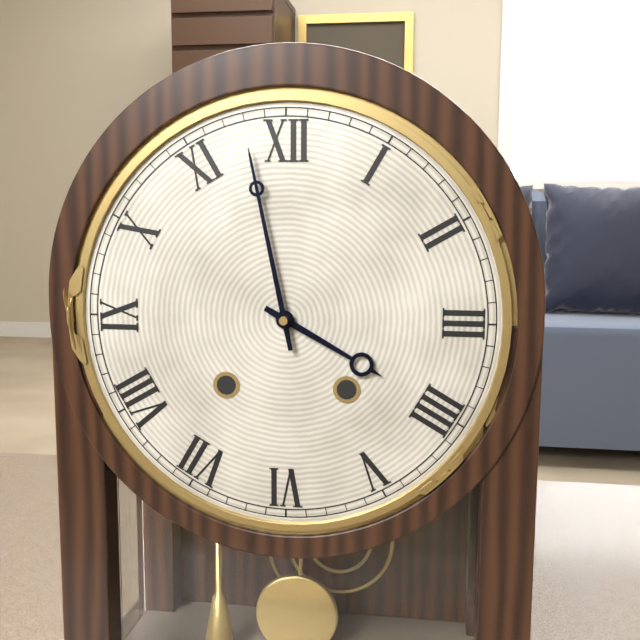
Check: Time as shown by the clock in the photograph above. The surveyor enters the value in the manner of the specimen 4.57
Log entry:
3.58
